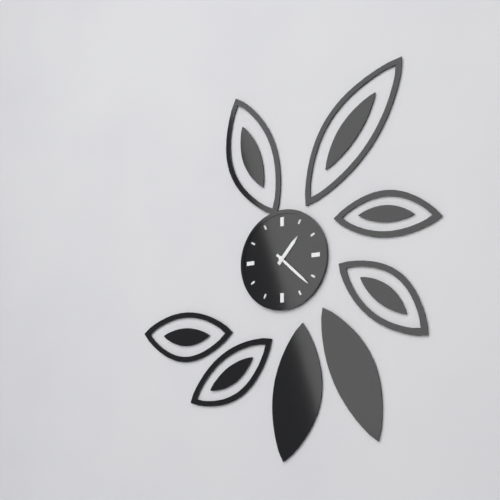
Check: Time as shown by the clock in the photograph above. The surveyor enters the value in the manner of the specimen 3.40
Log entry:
1.22
